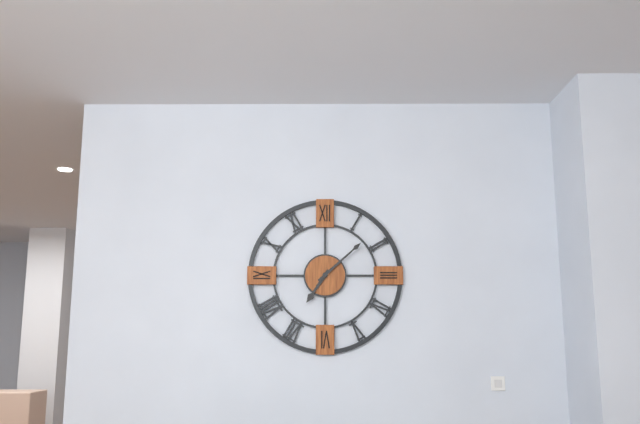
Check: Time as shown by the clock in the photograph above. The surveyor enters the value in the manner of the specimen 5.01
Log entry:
7.08
